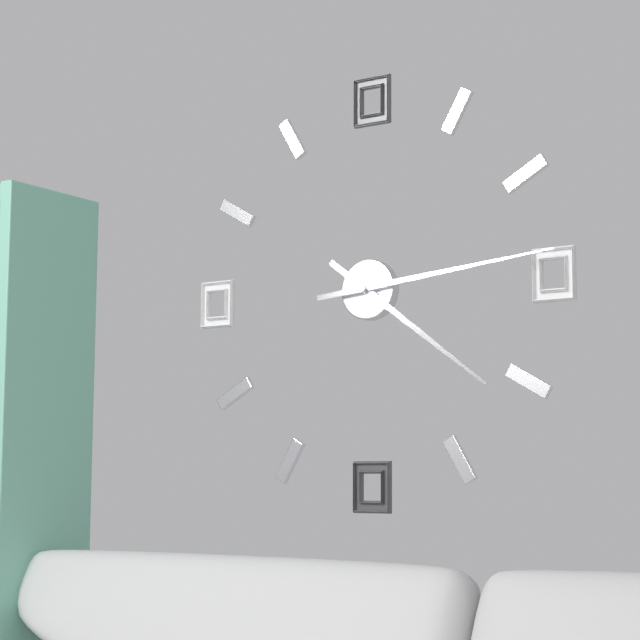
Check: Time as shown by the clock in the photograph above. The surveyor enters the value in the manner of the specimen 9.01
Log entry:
4.14
